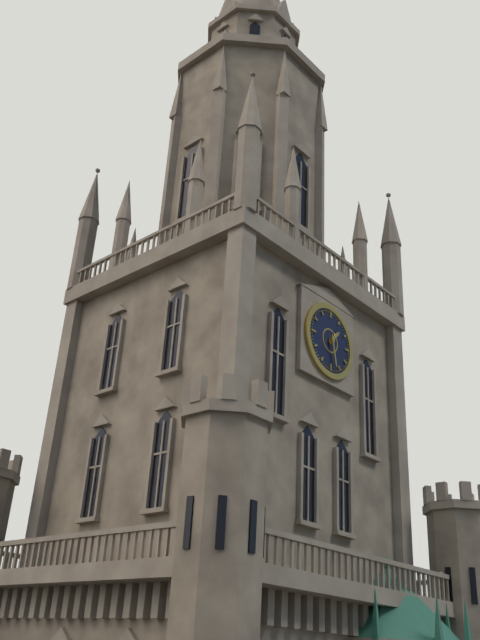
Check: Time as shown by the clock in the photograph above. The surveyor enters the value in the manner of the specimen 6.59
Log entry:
1.28
